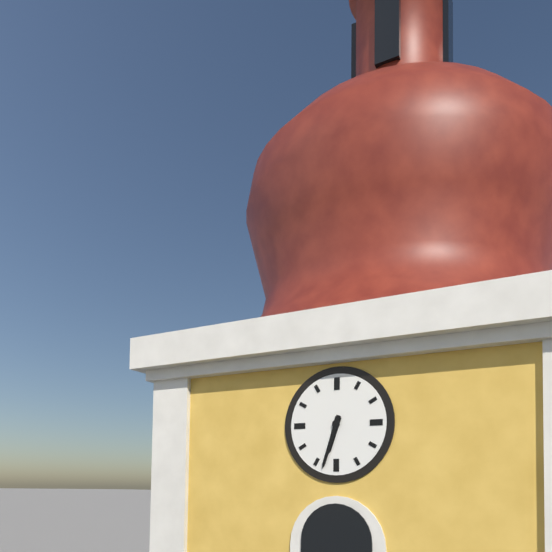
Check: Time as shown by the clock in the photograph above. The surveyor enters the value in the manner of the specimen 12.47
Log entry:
6.33
